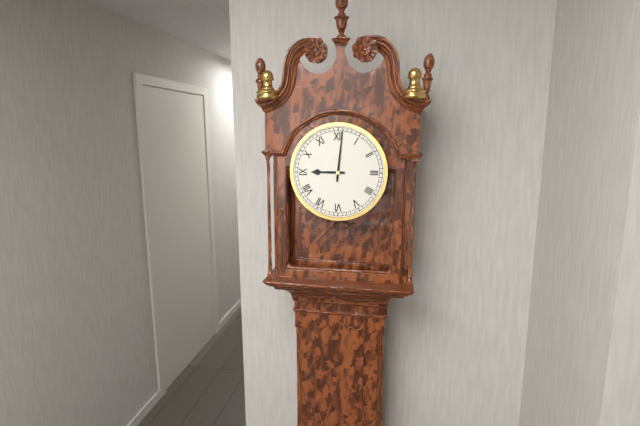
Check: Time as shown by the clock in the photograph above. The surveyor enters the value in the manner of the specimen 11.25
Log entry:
9.01
